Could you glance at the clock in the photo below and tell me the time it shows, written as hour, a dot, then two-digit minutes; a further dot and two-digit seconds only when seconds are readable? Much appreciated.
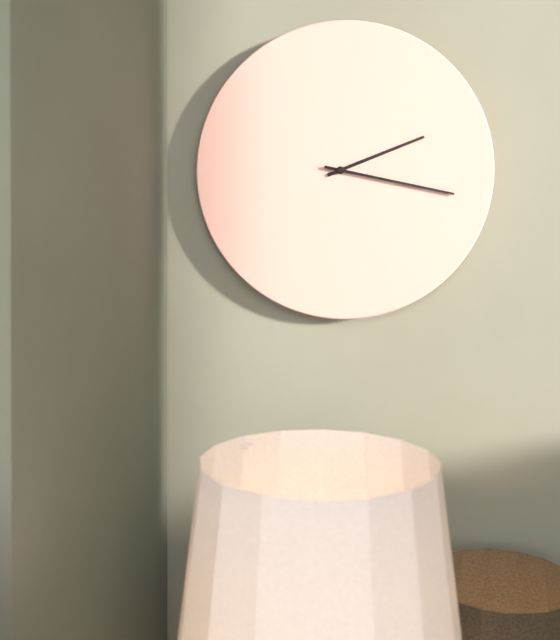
2.17
